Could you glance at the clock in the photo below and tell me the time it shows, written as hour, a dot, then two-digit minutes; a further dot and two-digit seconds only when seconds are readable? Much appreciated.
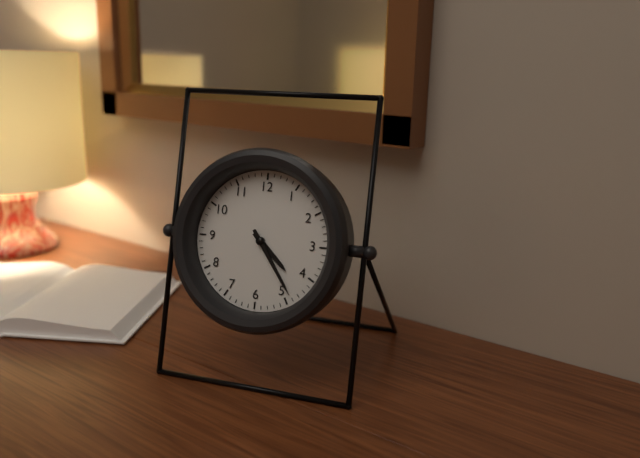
4.24
